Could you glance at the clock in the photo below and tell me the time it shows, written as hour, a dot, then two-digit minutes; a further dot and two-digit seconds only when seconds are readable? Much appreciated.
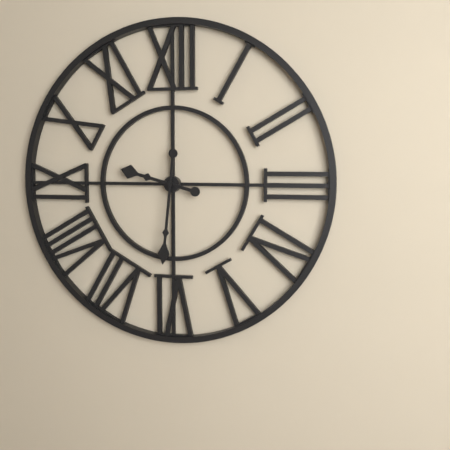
9.31
